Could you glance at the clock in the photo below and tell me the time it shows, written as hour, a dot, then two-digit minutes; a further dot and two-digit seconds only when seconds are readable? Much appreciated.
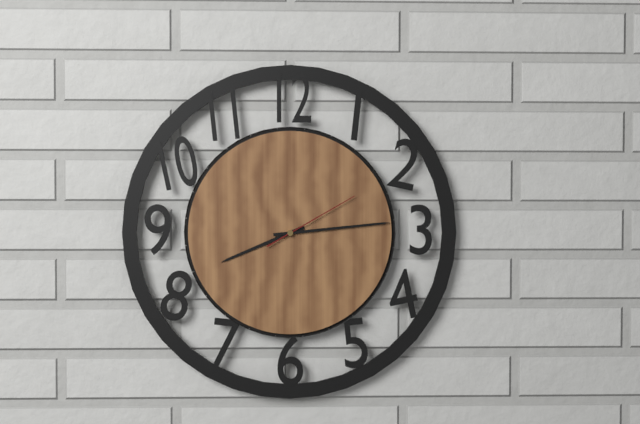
8.14.10
